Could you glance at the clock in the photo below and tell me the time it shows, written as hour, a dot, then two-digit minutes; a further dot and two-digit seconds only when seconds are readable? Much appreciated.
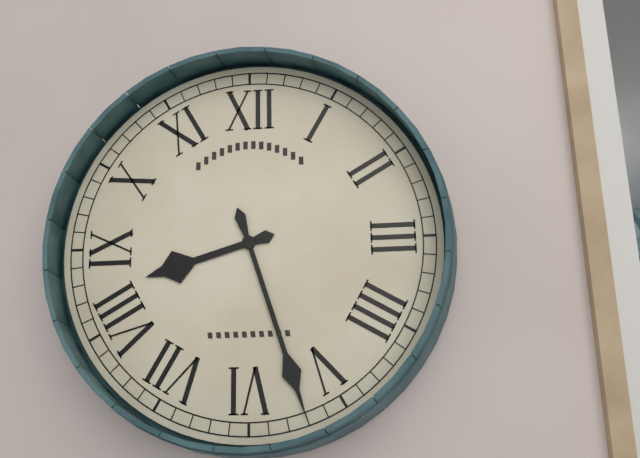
8.27
